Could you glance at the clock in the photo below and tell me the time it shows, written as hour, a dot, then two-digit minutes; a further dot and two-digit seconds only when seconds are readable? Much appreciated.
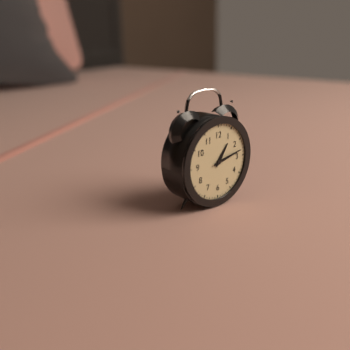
1.13
